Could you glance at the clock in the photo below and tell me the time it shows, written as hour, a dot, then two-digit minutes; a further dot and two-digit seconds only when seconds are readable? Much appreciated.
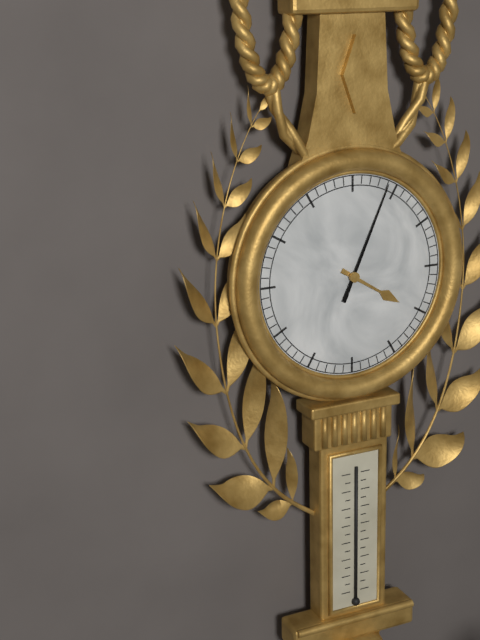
4.04
